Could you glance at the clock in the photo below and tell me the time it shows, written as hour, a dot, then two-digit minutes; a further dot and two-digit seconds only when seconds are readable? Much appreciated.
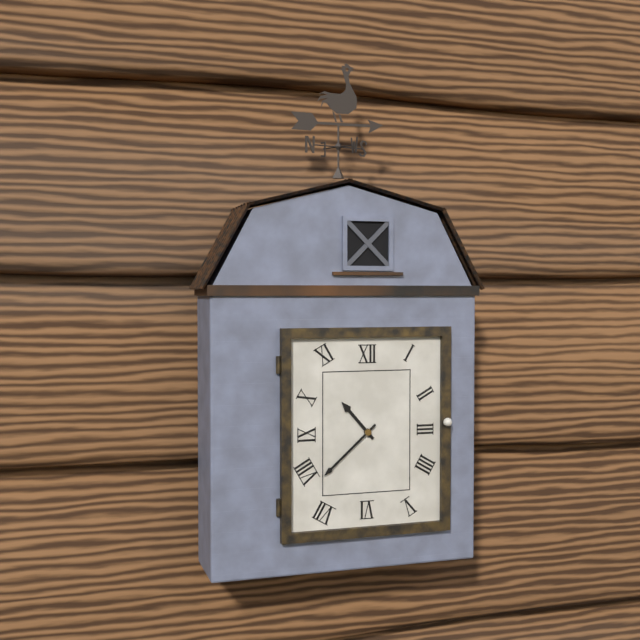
10.38
